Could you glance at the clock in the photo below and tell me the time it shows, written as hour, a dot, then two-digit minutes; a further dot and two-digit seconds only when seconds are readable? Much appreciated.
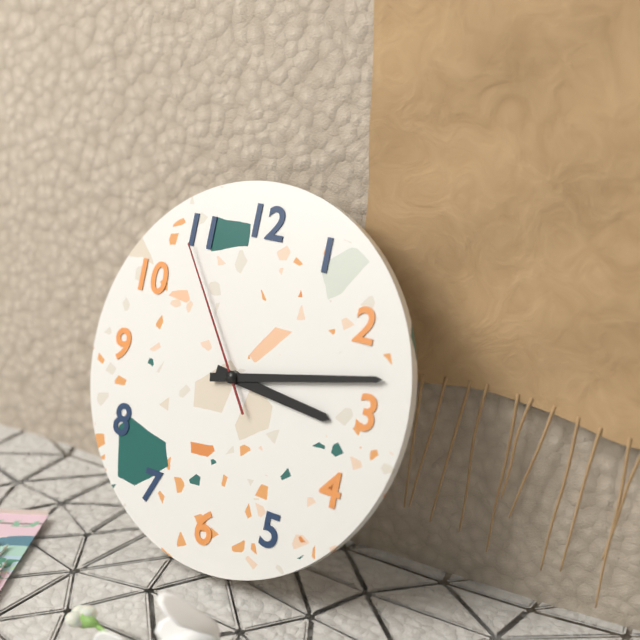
3.13.54
